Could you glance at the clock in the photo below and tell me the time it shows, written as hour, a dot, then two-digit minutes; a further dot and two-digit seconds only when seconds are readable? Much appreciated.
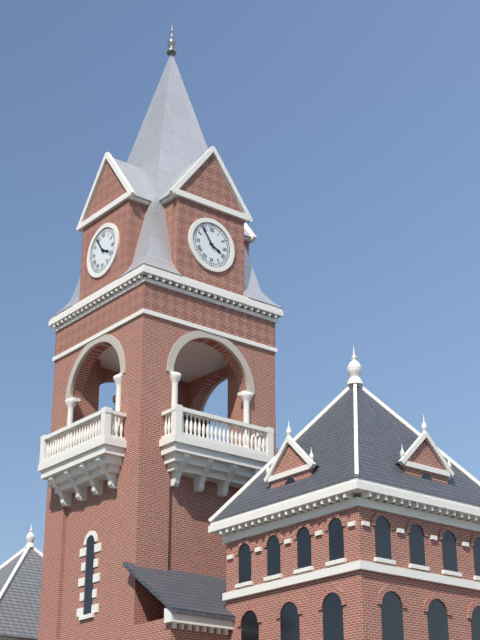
3.54
